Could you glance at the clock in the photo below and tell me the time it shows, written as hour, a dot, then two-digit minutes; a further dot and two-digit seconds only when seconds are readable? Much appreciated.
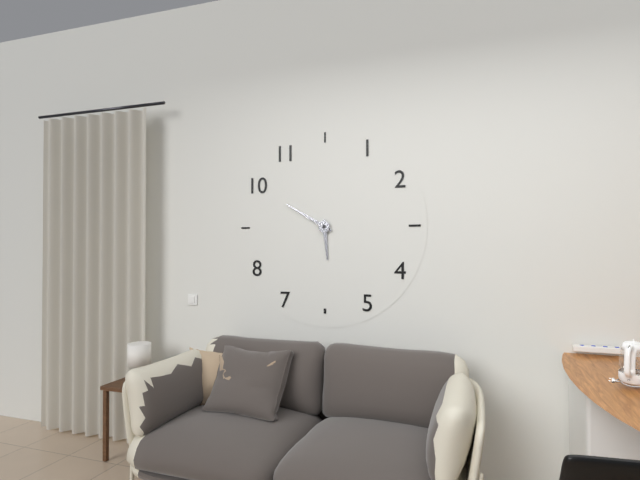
5.50
